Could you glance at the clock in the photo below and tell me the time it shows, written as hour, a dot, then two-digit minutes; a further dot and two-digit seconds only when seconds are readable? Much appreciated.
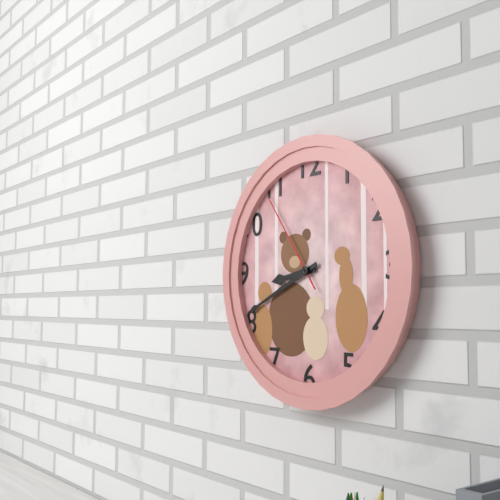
8.41.54
